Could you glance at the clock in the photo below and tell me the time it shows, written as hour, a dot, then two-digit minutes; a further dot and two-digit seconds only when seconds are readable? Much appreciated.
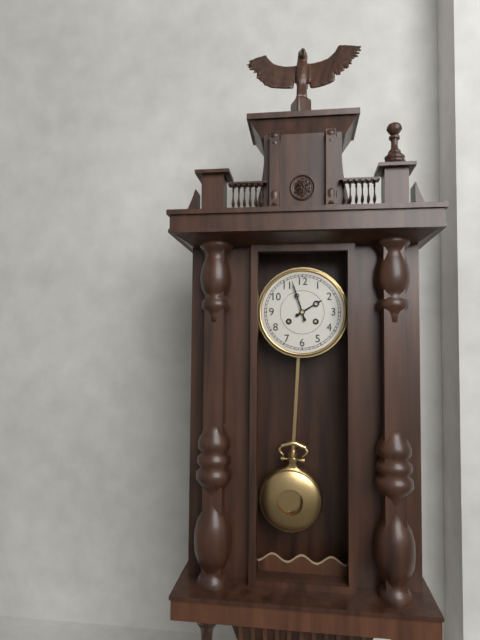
1.57
